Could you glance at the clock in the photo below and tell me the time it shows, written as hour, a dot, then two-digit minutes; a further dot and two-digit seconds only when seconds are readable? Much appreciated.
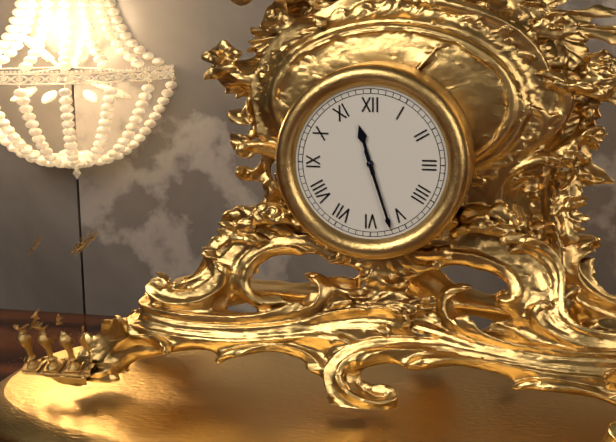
11.27
